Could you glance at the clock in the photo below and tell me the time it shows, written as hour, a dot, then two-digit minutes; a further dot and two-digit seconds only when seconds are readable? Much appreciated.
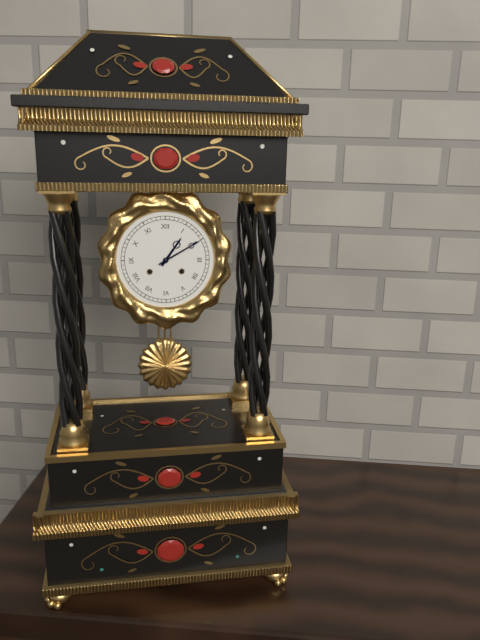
1.10
